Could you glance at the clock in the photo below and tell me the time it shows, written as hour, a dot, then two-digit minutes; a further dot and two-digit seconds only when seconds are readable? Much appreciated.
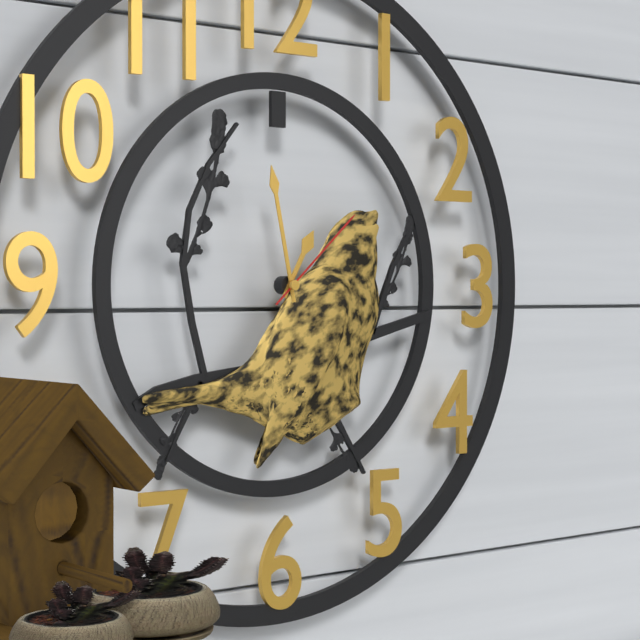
12.58.08
